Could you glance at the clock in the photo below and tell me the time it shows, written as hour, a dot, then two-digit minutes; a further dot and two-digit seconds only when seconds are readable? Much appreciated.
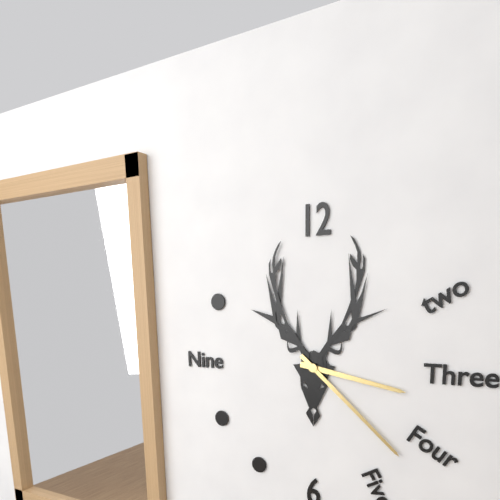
3.22
